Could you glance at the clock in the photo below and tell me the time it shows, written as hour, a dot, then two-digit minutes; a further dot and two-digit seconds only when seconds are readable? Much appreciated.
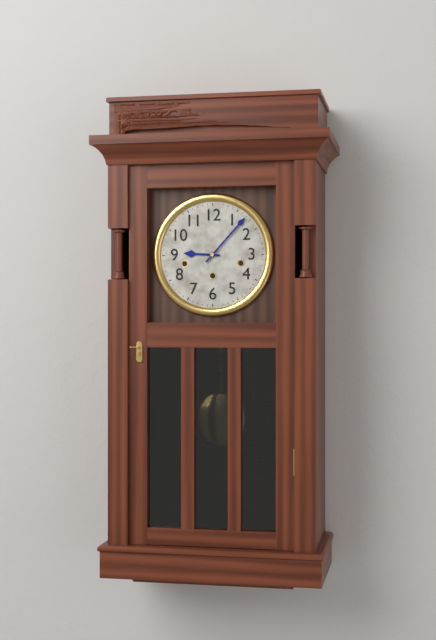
9.07
